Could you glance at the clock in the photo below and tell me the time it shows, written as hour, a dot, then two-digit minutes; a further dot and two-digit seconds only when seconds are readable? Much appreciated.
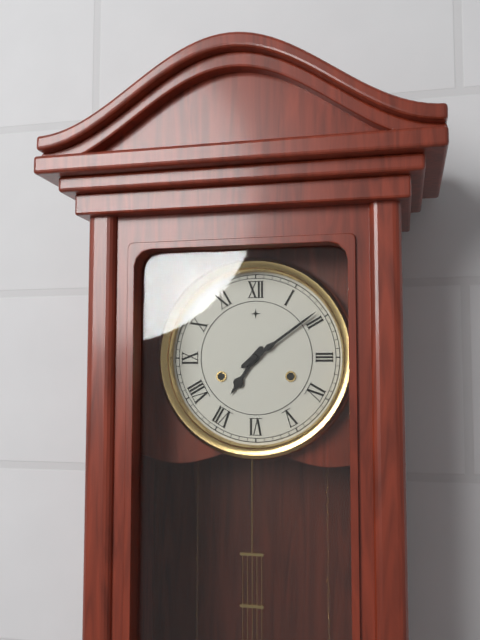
7.09
